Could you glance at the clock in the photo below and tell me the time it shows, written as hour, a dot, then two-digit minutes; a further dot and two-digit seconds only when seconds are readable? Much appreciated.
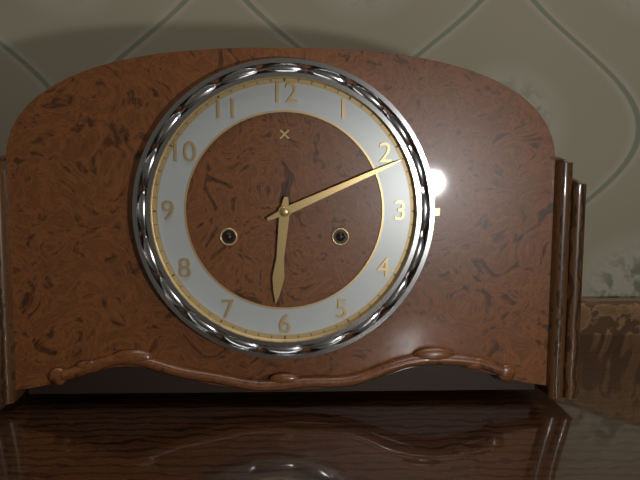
6.11
